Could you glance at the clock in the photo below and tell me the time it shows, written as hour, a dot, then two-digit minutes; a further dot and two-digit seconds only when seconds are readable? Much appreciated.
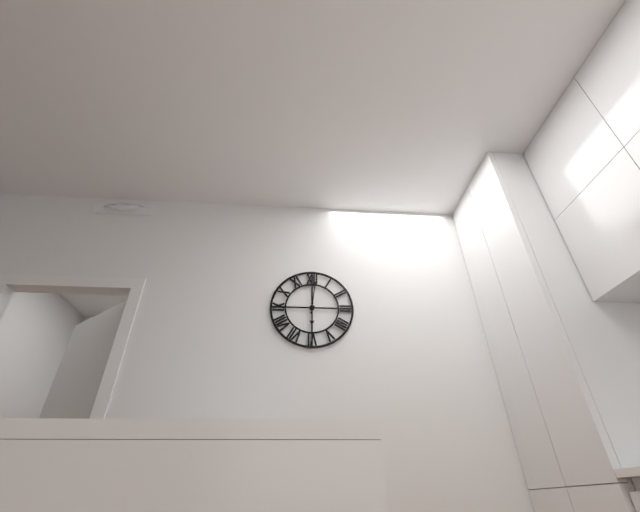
6.01
